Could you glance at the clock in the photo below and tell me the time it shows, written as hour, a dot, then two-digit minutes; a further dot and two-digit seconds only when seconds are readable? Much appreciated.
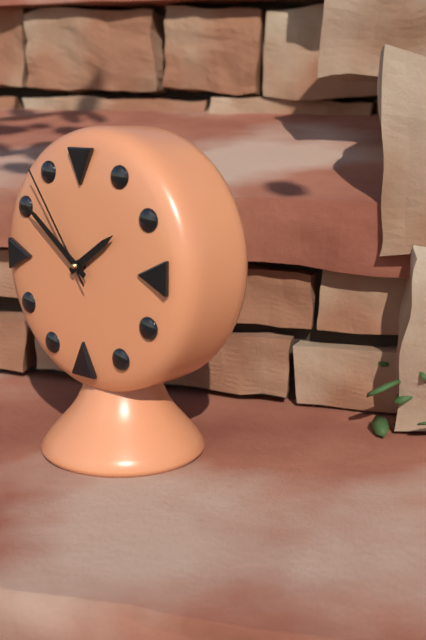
1.51.54
